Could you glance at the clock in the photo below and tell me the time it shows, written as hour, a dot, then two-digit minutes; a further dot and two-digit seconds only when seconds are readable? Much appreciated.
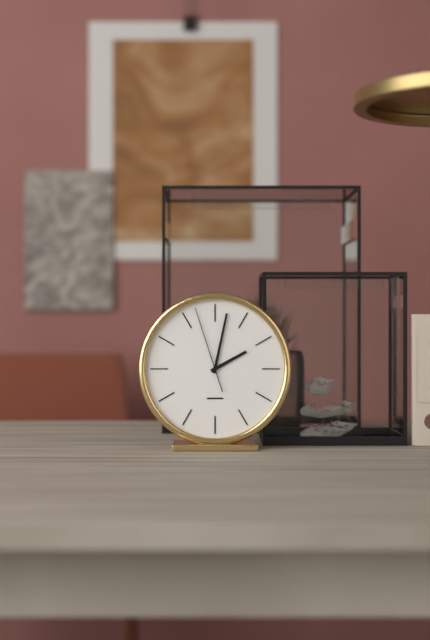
2.02.57
